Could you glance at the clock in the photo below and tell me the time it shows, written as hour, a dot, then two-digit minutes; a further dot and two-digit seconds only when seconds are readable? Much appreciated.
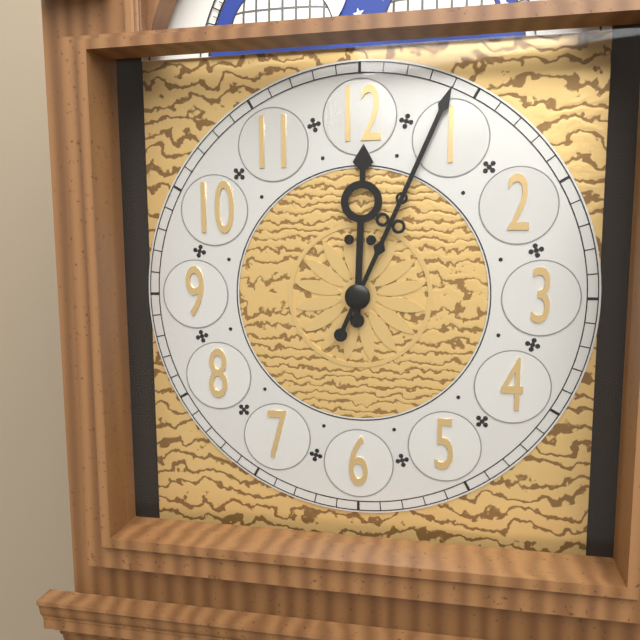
12.04
